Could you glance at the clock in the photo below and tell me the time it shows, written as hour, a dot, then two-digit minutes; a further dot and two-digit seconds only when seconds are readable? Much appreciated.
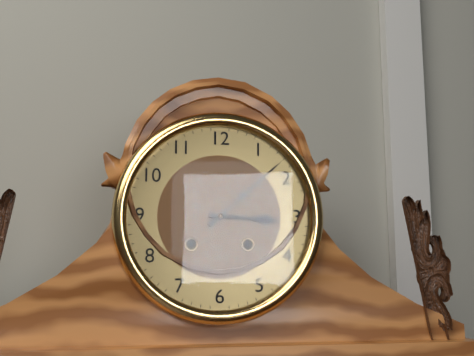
3.08
